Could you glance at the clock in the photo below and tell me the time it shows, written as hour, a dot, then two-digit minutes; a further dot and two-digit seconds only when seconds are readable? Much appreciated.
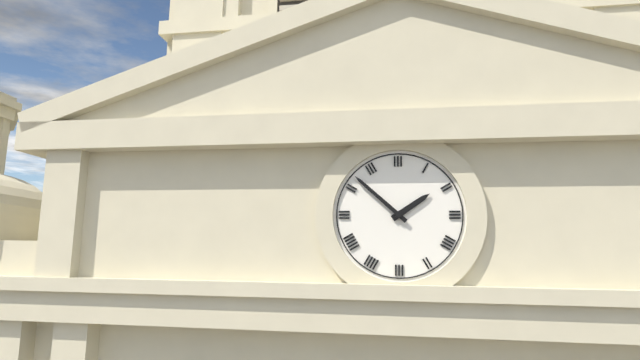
1.52
